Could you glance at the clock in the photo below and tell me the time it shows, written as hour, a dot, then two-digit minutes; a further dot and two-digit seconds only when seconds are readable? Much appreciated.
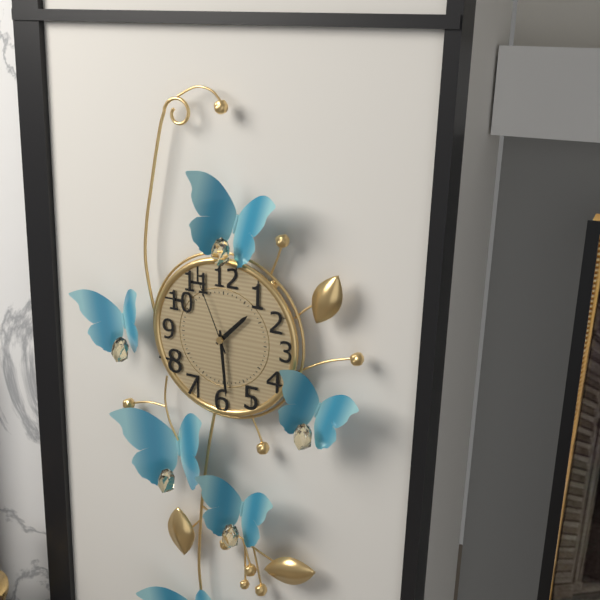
1.29.56
